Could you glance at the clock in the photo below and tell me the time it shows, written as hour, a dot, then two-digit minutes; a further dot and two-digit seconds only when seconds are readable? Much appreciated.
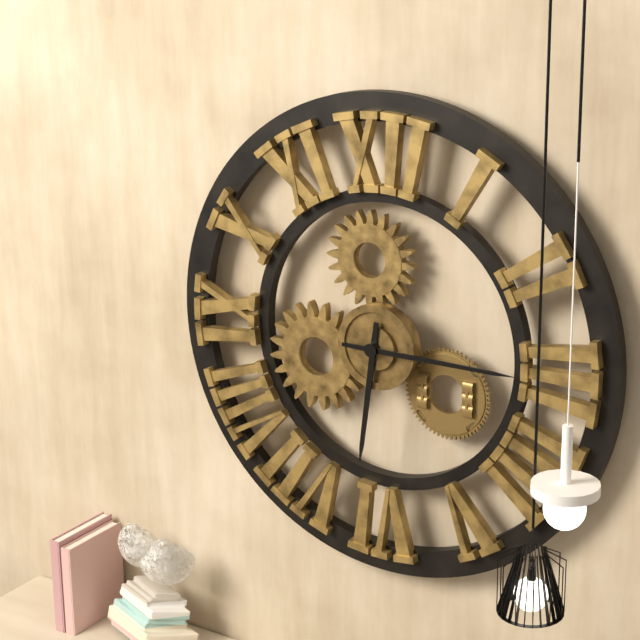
6.15
